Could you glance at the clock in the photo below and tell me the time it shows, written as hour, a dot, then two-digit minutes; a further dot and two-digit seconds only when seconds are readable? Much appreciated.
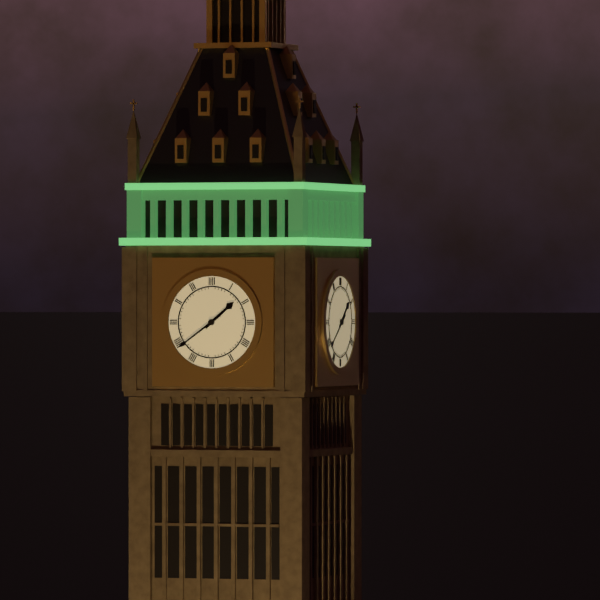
1.39
